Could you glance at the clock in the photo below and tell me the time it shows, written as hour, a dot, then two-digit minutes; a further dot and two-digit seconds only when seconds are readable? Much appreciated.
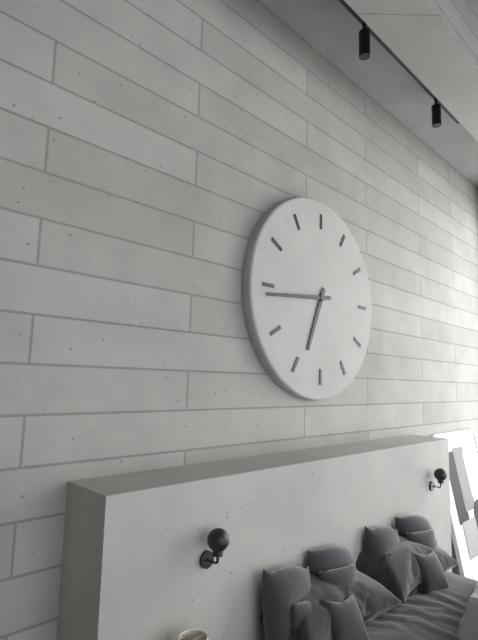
6.44
